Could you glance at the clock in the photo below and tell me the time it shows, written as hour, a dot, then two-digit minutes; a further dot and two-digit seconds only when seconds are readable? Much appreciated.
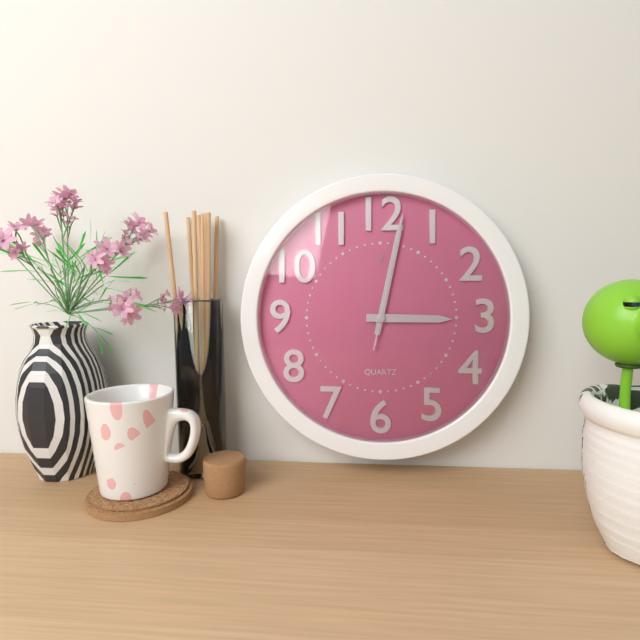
3.02.02
